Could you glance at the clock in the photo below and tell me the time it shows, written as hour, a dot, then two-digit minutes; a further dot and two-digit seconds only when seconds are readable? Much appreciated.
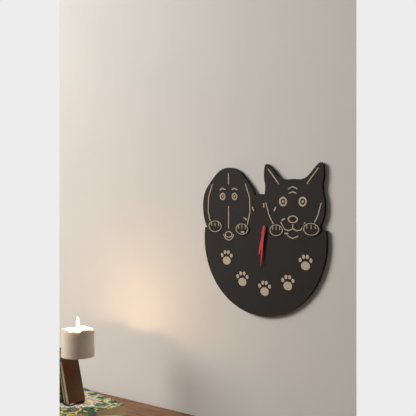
6.31
